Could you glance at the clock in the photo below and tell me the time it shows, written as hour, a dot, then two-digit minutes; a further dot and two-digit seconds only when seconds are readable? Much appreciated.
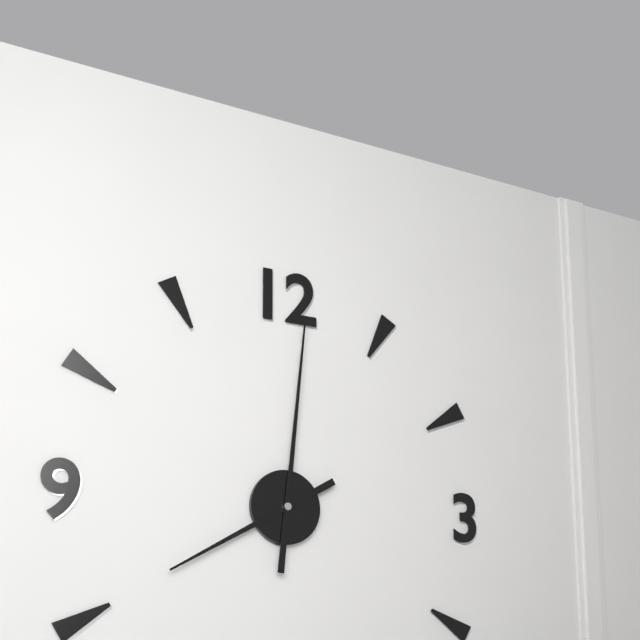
8.01
